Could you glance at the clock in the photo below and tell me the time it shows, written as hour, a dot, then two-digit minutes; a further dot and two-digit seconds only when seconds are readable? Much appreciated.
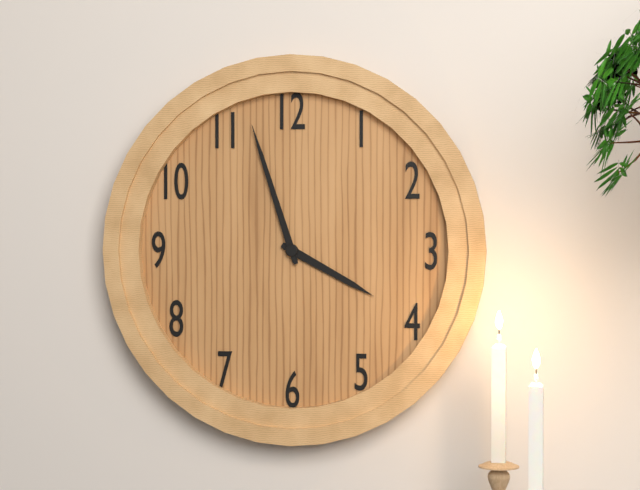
3.57
